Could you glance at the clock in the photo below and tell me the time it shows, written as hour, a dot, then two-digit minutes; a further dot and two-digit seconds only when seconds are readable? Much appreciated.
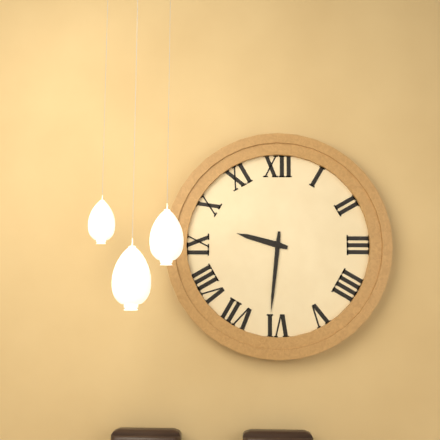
9.31
